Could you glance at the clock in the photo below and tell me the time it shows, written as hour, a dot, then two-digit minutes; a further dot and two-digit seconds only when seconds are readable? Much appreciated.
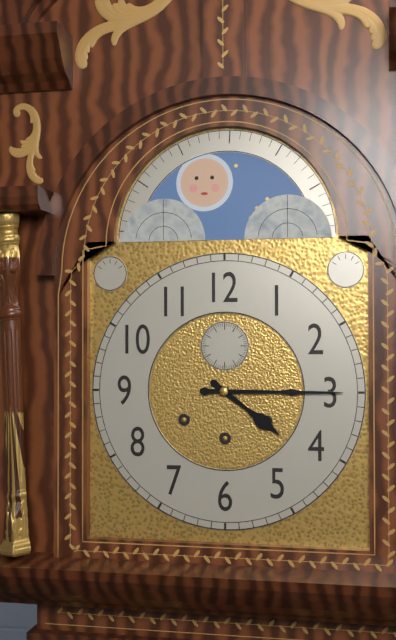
4.15
